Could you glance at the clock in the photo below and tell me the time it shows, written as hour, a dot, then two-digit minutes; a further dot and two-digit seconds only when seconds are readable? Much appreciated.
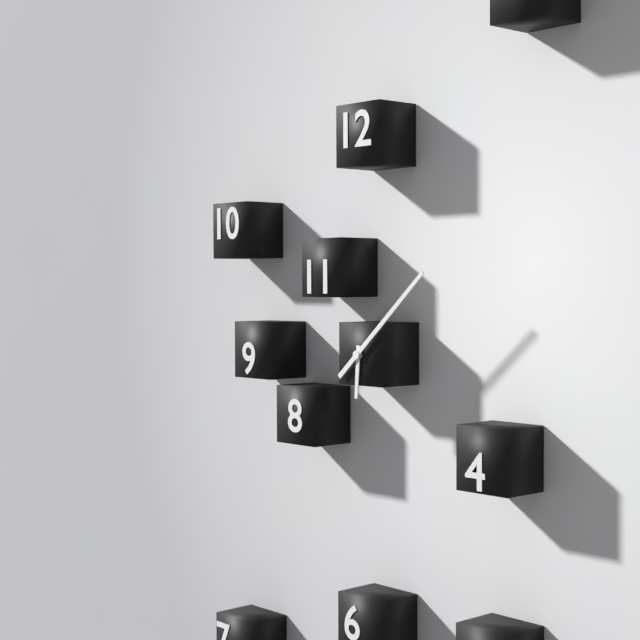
6.08
